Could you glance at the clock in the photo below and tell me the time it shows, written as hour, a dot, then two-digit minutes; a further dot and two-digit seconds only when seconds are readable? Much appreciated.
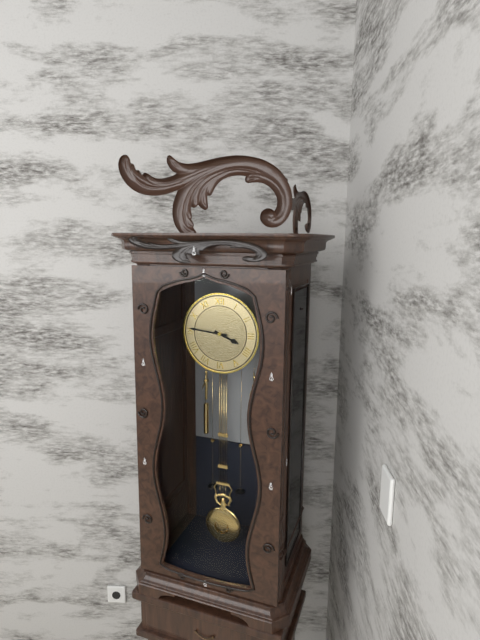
3.46
